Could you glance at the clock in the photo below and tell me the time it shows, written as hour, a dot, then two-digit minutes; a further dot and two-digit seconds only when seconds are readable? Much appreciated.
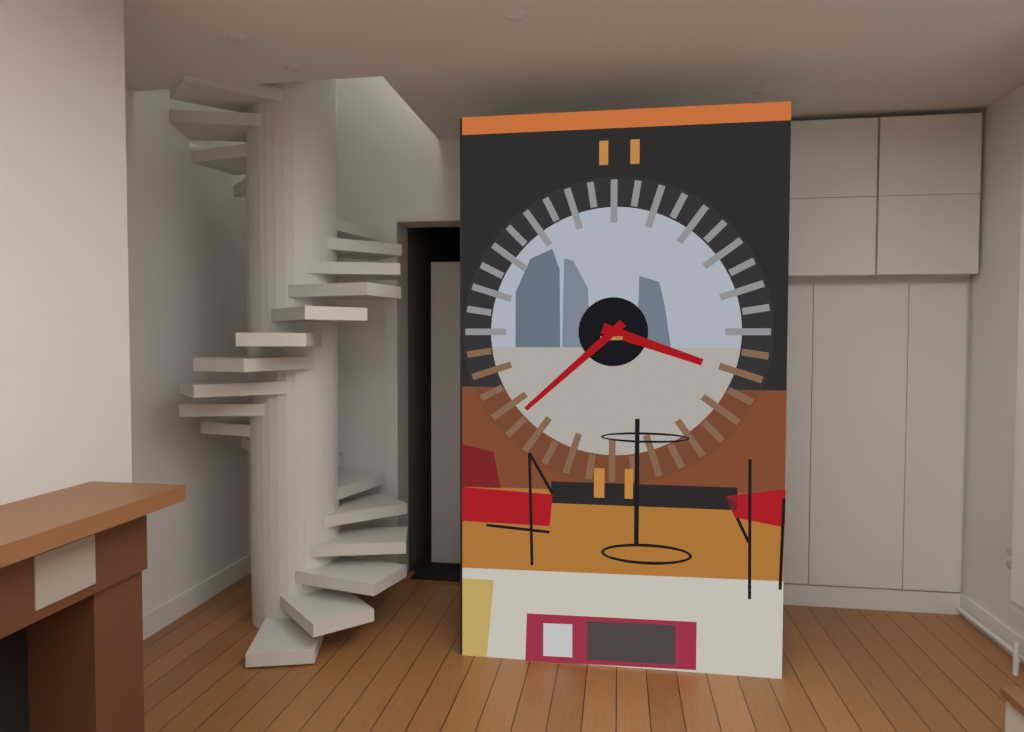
3.38
